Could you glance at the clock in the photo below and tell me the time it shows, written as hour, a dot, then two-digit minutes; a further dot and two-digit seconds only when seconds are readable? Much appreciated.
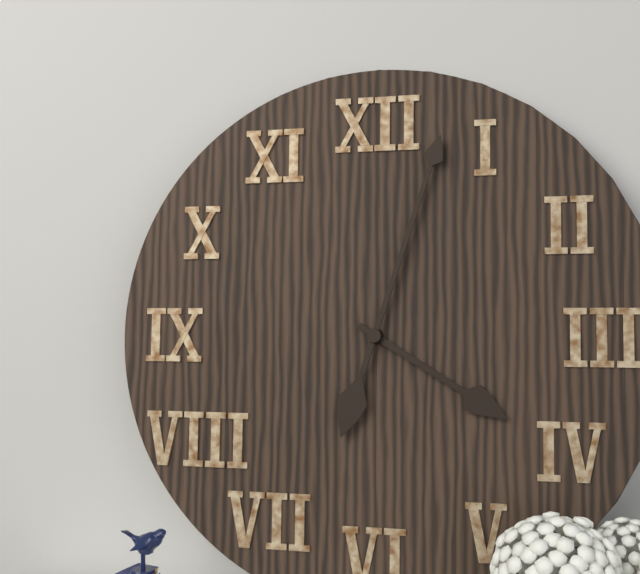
4.03
